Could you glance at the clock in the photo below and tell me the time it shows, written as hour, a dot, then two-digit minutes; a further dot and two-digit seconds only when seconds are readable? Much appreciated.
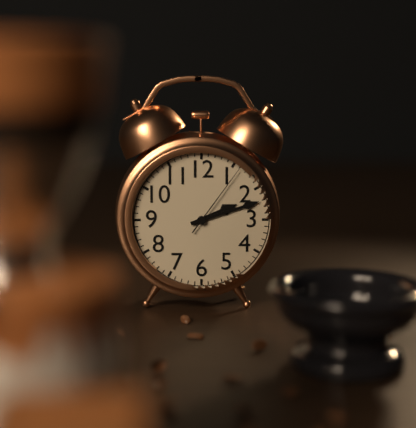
2.12.06
